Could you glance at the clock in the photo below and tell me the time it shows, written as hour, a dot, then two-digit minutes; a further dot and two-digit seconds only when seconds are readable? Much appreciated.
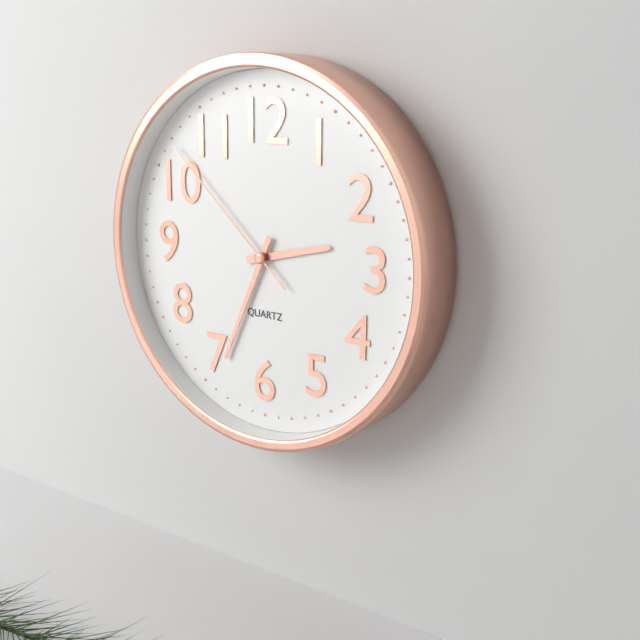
2.34.52
